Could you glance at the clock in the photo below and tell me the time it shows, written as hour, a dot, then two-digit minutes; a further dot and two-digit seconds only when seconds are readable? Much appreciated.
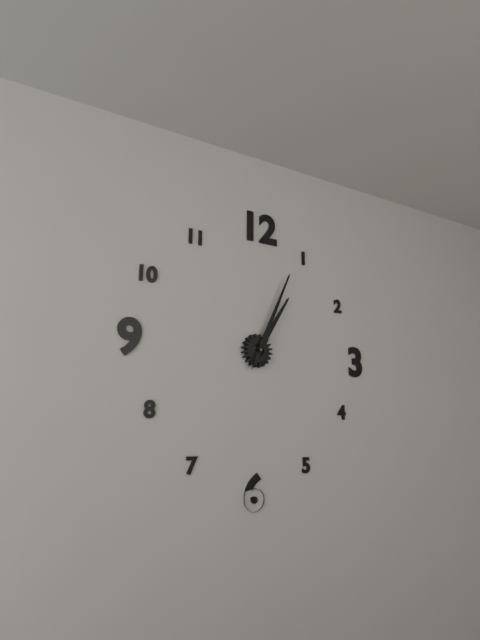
1.04
